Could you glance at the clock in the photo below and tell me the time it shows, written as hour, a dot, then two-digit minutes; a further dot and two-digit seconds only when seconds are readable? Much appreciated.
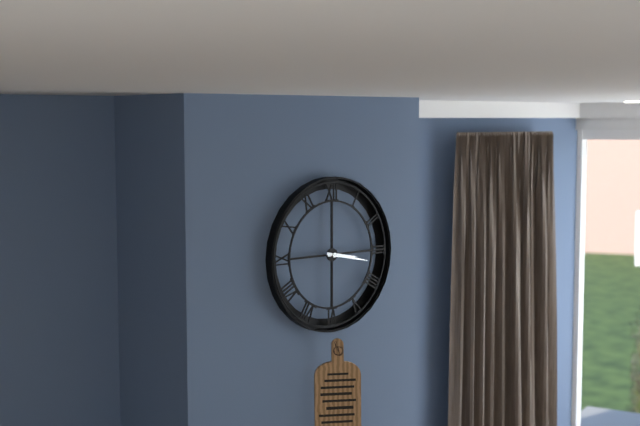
3.17
